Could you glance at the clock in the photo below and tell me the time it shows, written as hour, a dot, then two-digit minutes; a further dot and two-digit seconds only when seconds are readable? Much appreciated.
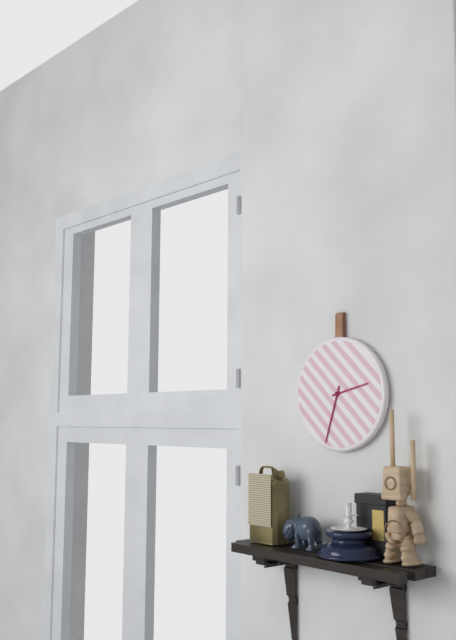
2.33
